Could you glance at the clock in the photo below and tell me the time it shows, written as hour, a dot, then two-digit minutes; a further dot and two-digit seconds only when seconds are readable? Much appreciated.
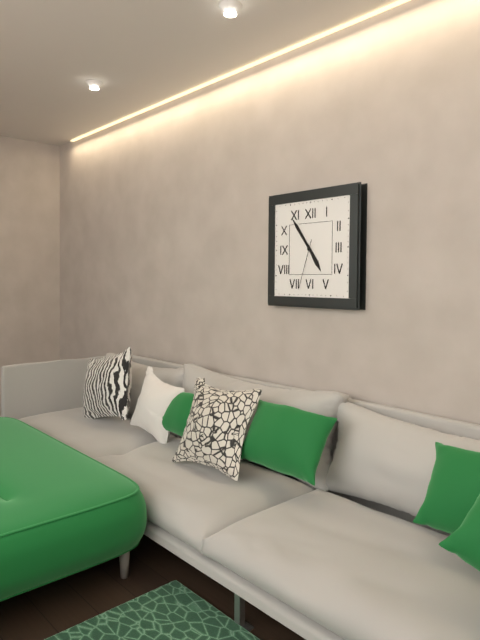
4.54.33
